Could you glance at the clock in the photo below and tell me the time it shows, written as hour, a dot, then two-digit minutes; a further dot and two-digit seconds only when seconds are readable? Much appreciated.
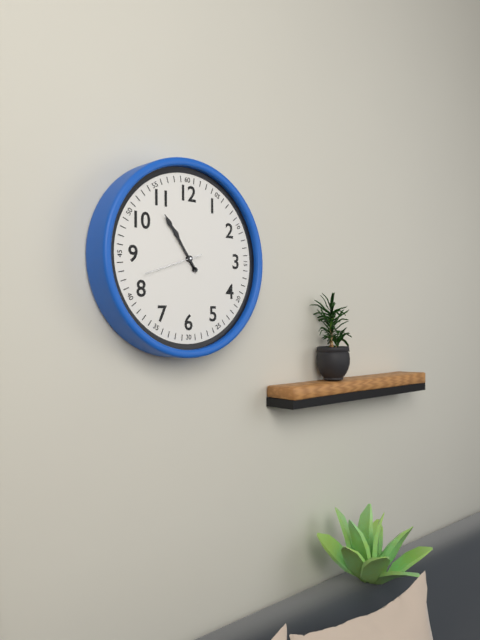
10.54.42
